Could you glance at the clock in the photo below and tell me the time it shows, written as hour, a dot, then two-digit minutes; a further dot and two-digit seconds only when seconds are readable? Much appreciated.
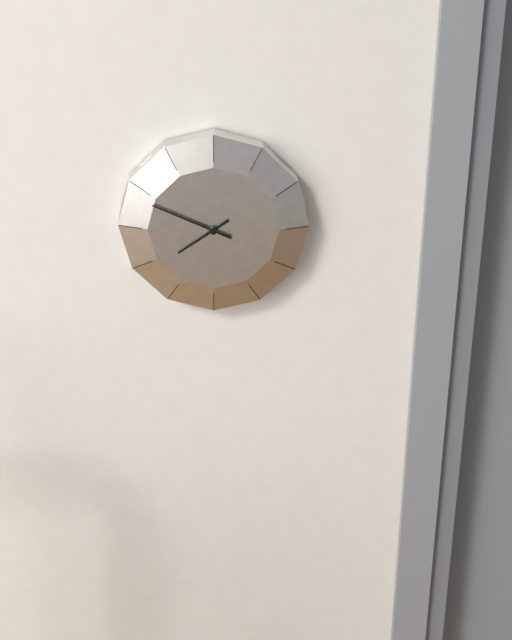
7.49
